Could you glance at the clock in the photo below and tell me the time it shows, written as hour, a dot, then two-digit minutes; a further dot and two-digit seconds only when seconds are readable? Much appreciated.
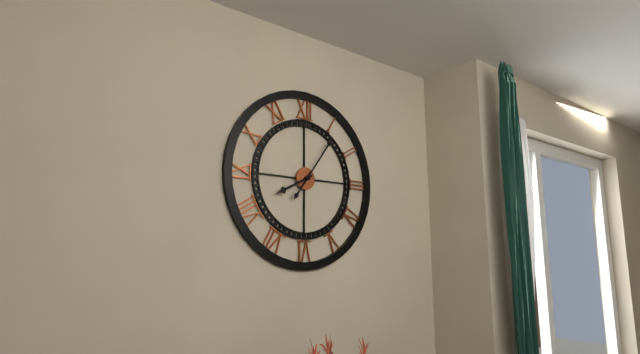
8.06
